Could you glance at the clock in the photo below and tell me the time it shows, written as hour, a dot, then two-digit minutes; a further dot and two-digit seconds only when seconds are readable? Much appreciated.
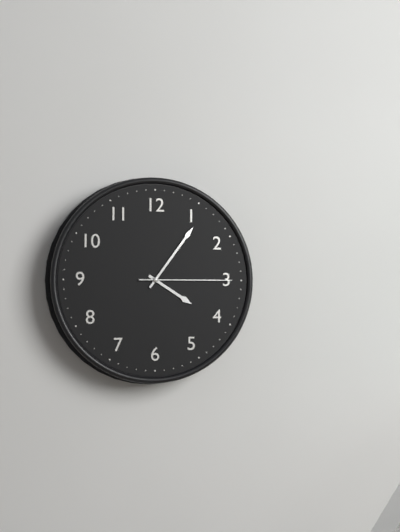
4.06.15
